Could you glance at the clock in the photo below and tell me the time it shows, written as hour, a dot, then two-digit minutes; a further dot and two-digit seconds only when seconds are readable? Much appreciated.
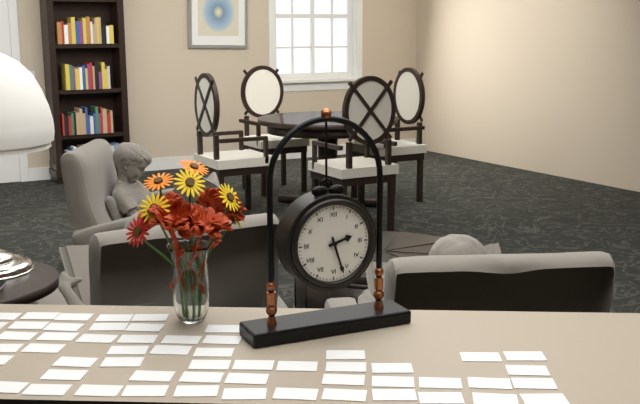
2.27
